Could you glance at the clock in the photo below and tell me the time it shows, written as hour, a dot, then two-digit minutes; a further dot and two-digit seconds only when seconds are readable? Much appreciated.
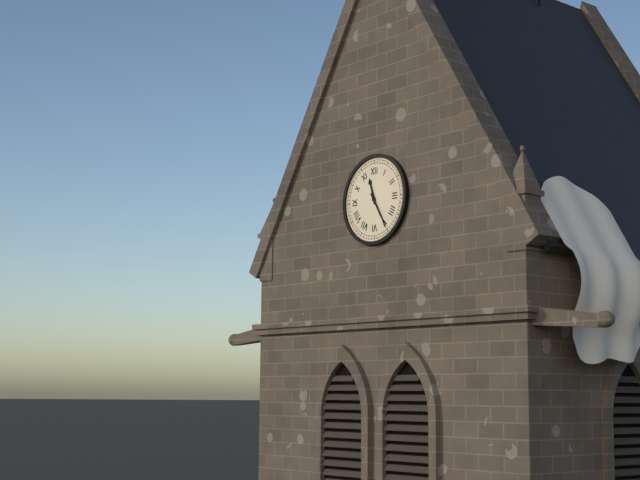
11.25
